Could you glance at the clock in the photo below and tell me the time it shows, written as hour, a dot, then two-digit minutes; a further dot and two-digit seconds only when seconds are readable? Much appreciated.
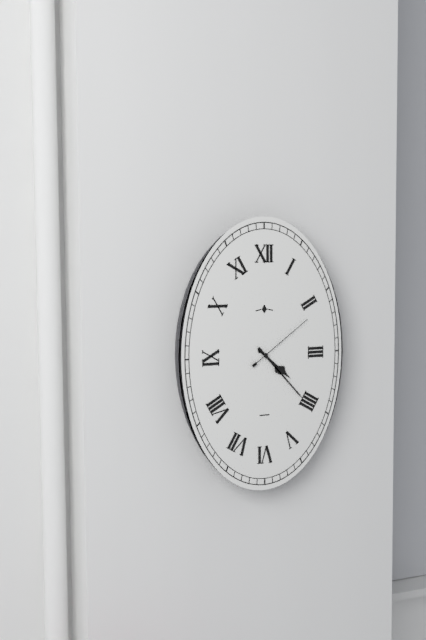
4.23.09
